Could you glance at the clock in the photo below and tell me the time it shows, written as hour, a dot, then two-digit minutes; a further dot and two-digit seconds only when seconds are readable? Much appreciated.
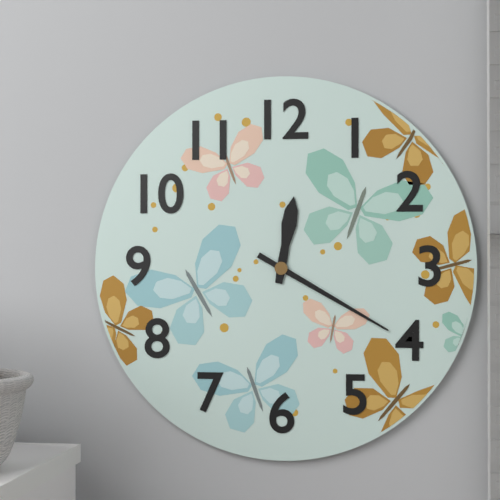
12.20
